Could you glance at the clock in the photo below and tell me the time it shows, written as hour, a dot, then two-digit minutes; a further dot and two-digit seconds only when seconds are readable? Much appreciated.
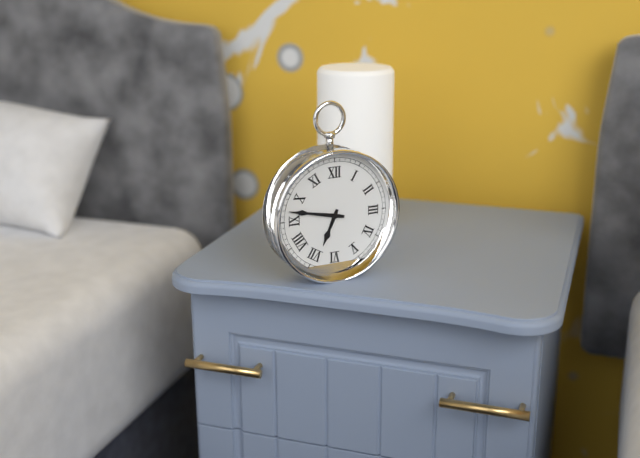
6.47
